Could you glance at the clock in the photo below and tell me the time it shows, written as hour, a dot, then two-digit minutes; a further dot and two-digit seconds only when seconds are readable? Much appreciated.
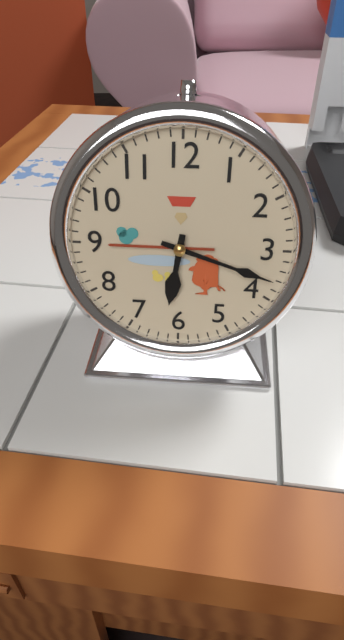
6.18
